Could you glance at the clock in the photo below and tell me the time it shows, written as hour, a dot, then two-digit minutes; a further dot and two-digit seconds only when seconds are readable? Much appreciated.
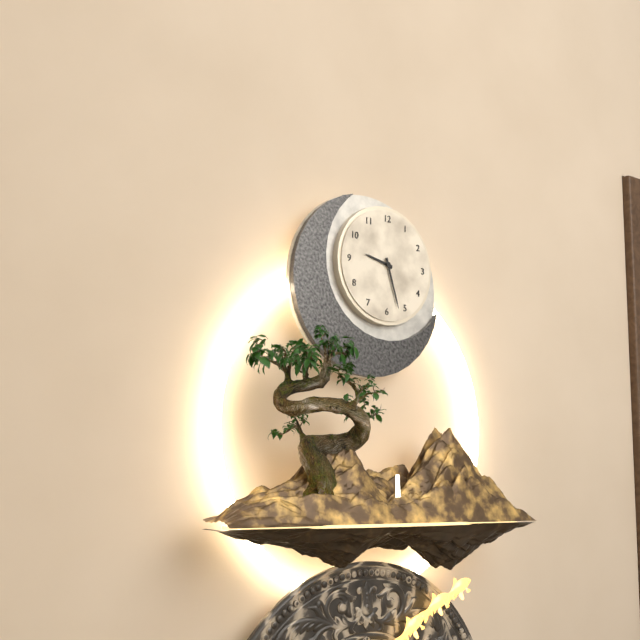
9.27
